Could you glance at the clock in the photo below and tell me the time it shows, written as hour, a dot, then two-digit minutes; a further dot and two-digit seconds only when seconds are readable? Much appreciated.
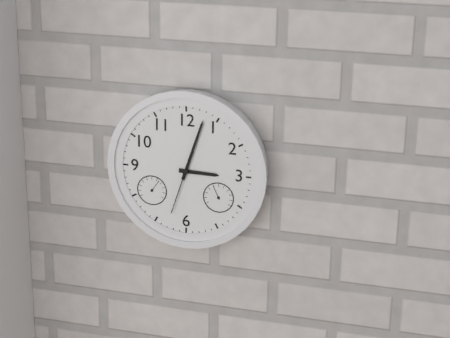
3.03.33
